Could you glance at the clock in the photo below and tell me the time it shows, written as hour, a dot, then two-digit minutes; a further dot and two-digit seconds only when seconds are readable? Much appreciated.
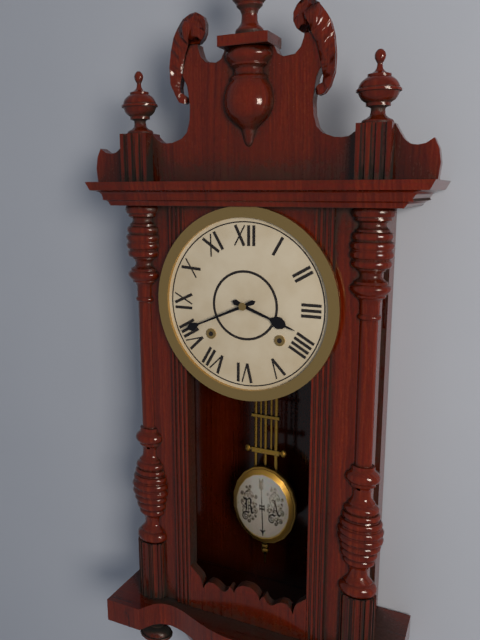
3.41
